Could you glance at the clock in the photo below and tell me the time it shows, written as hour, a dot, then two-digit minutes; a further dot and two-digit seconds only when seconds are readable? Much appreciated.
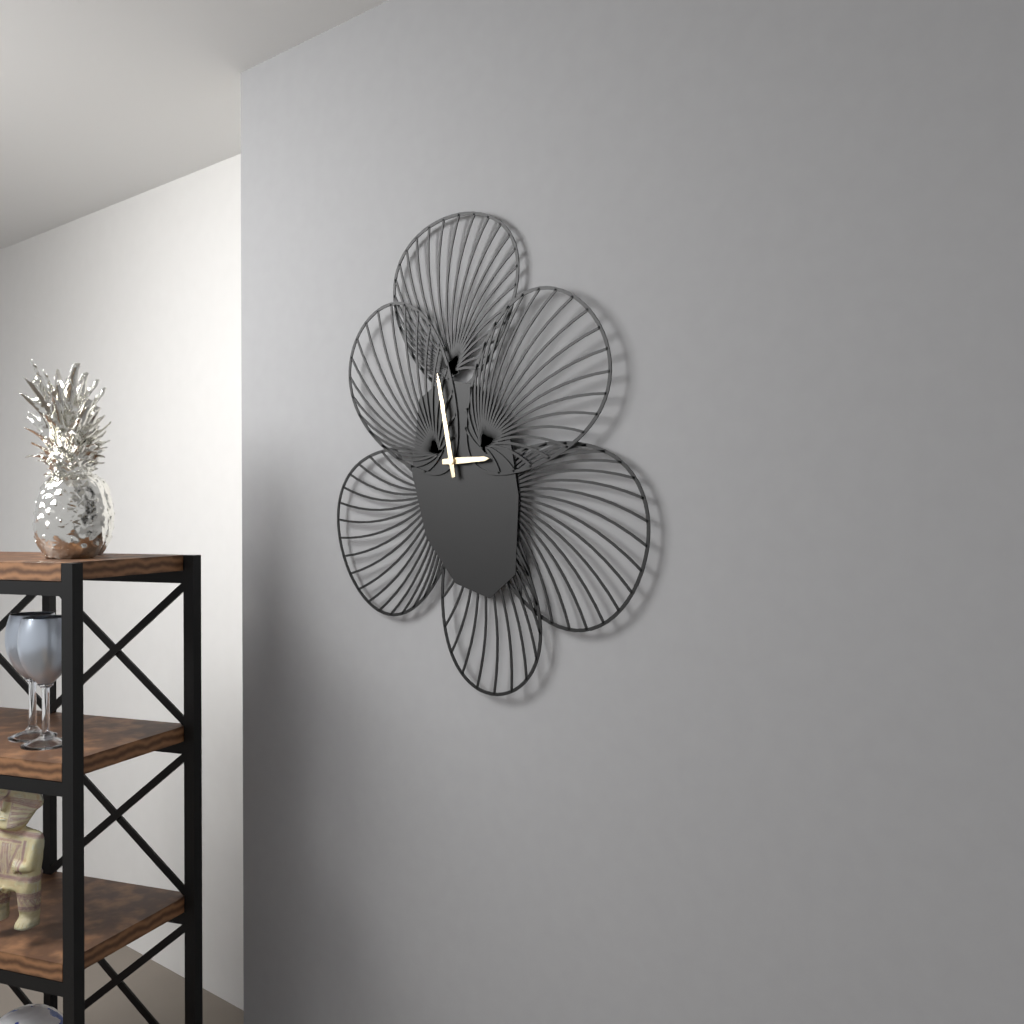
2.58
